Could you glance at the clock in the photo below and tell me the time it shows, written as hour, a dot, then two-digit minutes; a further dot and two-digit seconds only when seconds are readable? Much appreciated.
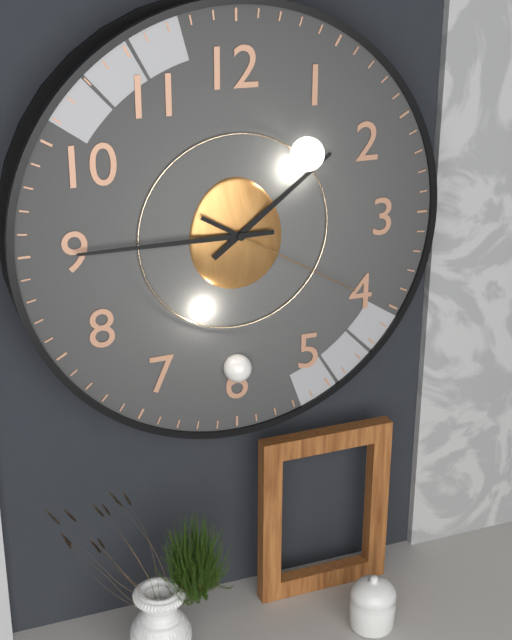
1.45.20
